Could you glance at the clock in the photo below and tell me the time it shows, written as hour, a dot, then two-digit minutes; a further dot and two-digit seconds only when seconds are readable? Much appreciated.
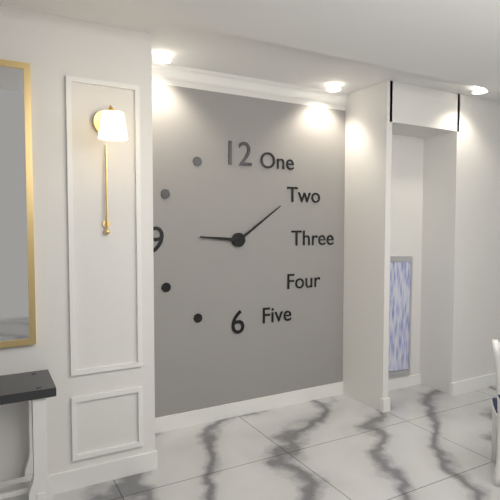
9.09
